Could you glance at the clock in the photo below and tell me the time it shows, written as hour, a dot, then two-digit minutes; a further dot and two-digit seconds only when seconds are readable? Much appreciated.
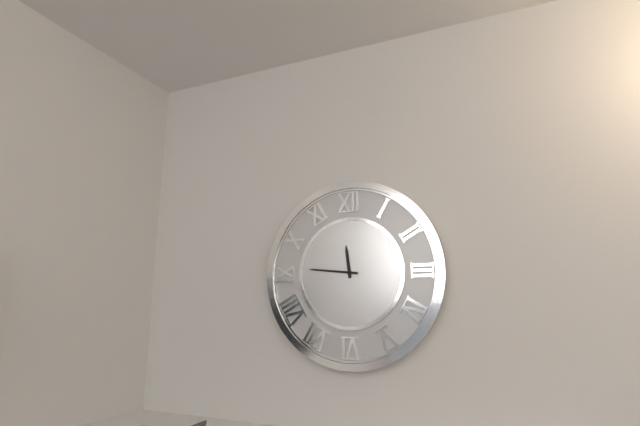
11.46
